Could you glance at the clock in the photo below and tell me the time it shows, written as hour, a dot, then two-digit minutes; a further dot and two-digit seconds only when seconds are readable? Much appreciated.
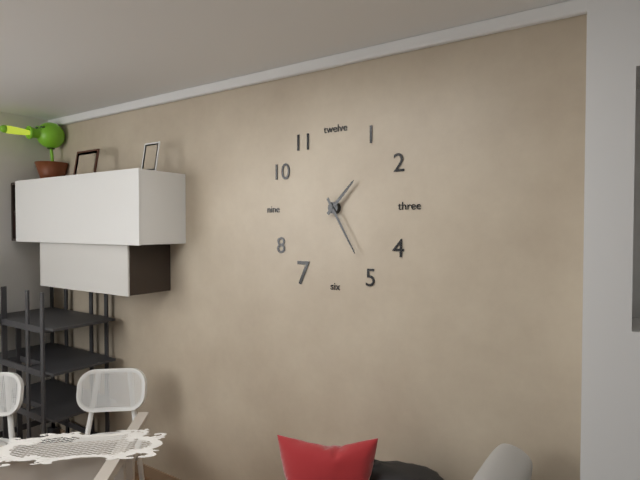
1.25
